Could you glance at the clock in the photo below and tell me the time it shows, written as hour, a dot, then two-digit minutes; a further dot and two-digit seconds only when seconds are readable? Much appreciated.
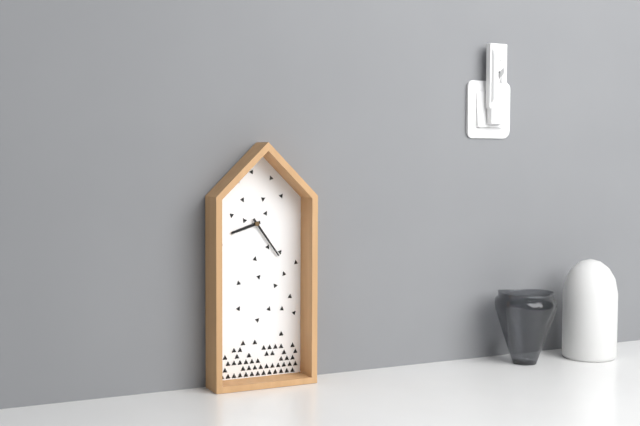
8.24
